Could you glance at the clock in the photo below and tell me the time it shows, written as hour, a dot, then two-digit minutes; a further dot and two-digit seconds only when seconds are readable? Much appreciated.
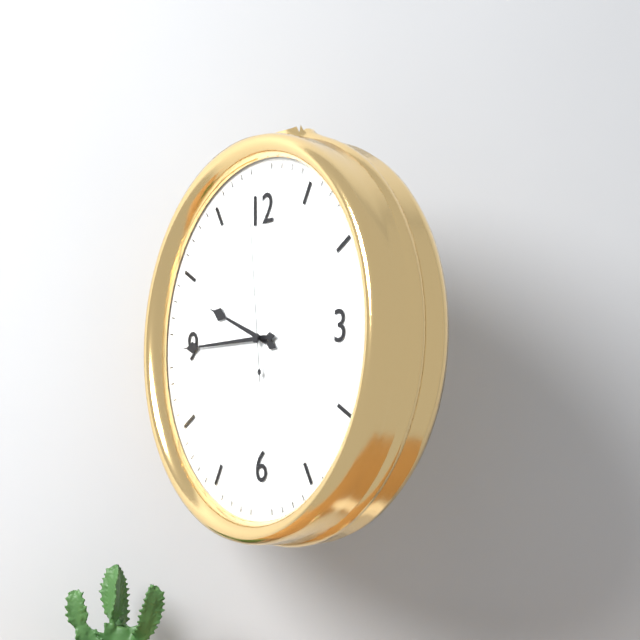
9.45.59
